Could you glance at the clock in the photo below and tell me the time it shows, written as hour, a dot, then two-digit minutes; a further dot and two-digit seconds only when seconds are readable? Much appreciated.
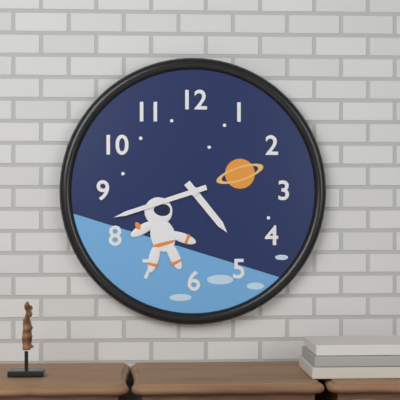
4.42
